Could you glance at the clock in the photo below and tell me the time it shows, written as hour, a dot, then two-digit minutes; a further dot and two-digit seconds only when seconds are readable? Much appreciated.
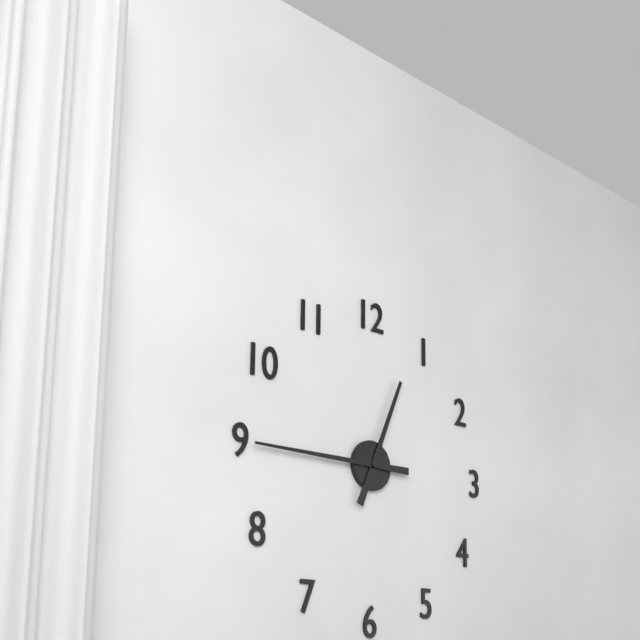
12.45
